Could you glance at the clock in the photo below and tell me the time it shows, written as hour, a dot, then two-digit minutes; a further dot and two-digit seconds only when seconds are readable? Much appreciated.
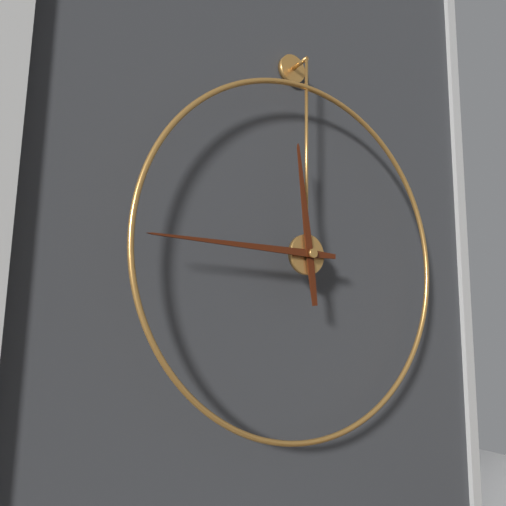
11.45
